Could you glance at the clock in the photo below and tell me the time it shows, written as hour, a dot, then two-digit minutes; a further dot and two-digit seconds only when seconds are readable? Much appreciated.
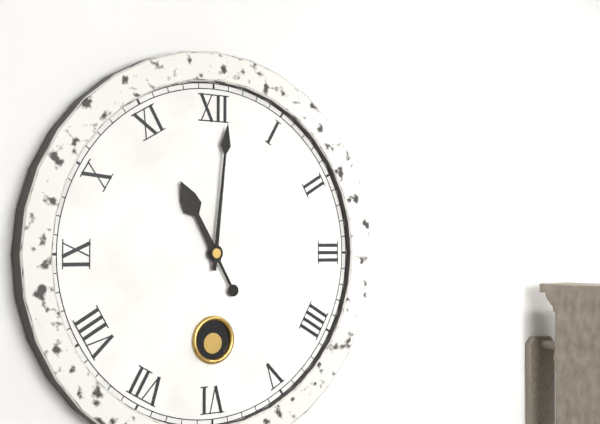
11.01
